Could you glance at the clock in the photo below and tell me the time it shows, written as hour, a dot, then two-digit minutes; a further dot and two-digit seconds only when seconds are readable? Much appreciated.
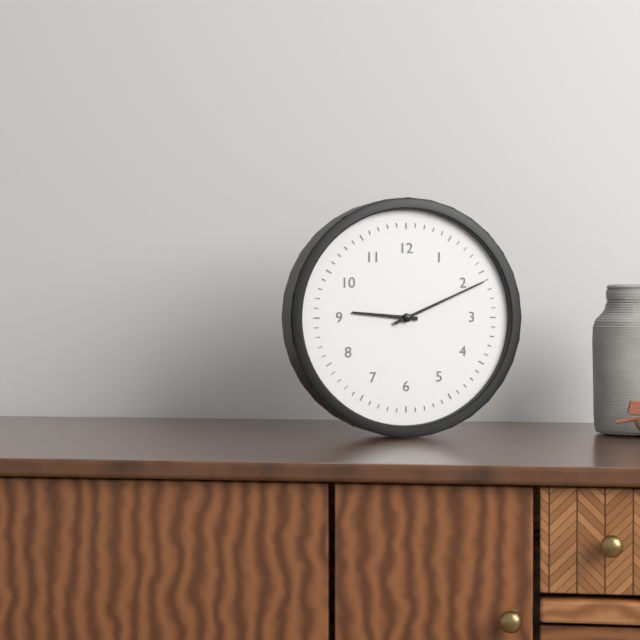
9.11
